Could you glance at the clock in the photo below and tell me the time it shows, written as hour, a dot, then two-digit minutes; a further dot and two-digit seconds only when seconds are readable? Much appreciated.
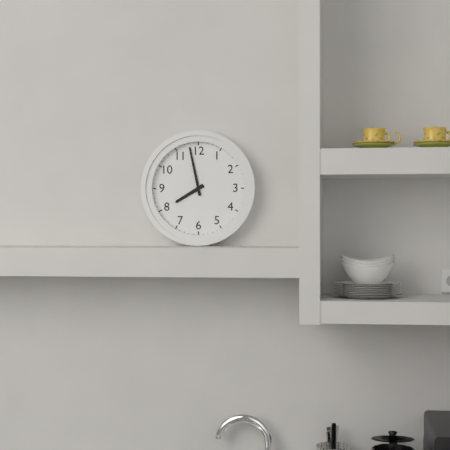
7.58
